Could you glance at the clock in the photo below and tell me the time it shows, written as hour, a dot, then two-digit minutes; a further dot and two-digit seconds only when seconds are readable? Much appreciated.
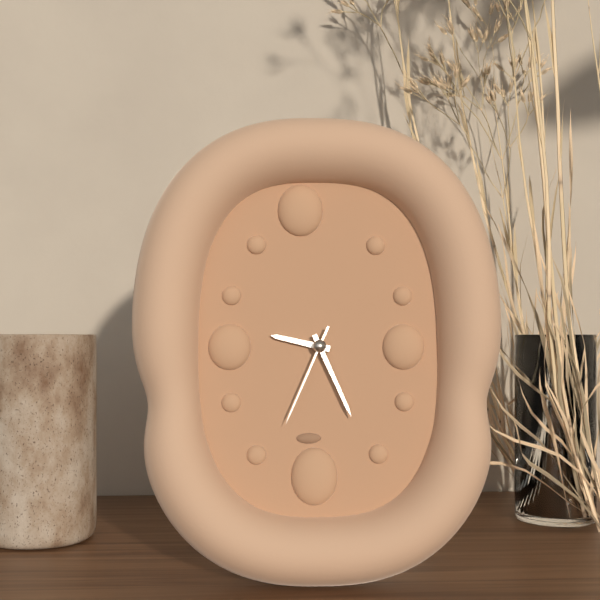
9.26.34
